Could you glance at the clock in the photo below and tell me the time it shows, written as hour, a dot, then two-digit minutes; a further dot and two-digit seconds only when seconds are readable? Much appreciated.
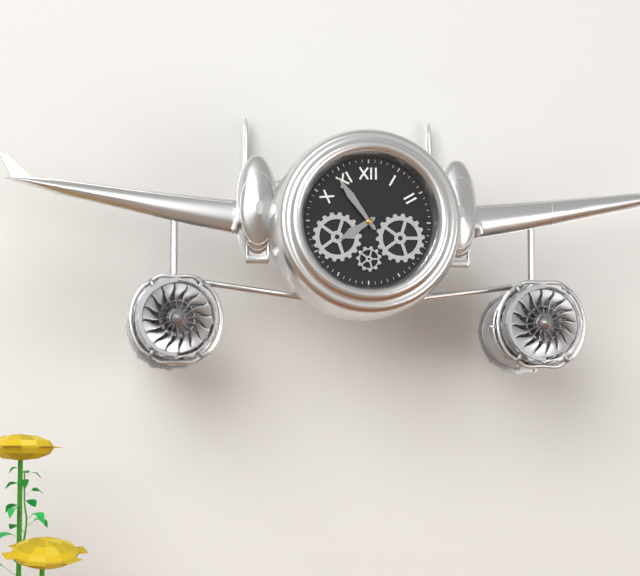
7.54
